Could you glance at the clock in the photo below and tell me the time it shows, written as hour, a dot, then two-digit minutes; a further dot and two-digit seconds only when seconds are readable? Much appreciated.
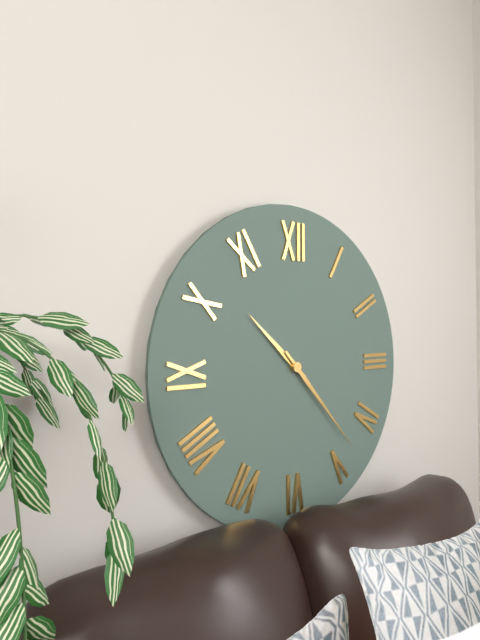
10.23
